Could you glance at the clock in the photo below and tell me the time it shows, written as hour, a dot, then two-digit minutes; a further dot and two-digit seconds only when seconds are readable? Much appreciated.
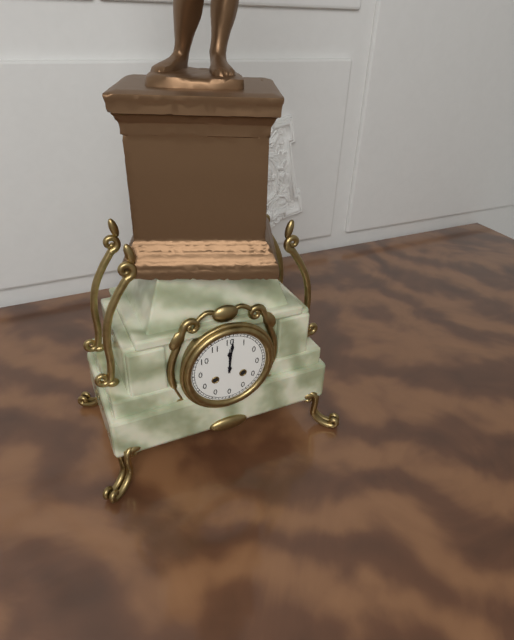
12.01
